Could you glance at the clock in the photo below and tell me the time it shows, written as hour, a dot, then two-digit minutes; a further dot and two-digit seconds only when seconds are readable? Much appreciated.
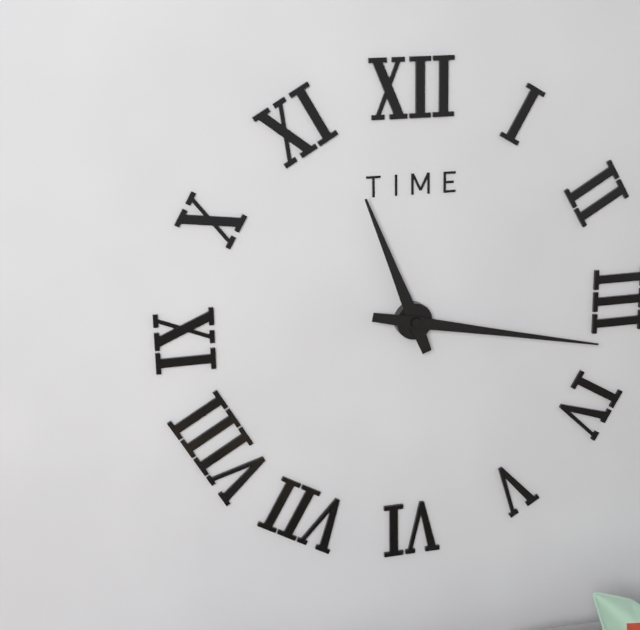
11.17
